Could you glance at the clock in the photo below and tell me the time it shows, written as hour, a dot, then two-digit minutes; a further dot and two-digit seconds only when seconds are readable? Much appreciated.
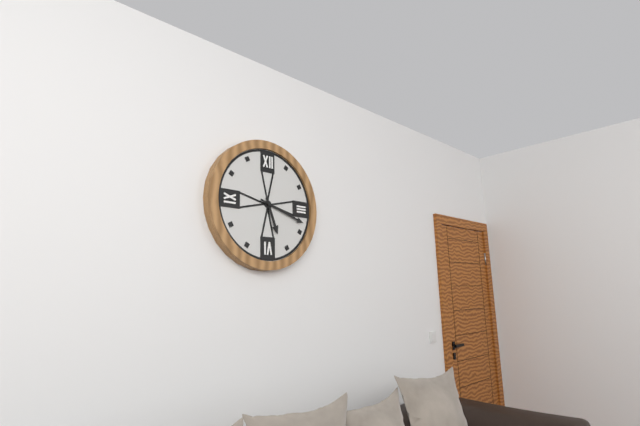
5.18
